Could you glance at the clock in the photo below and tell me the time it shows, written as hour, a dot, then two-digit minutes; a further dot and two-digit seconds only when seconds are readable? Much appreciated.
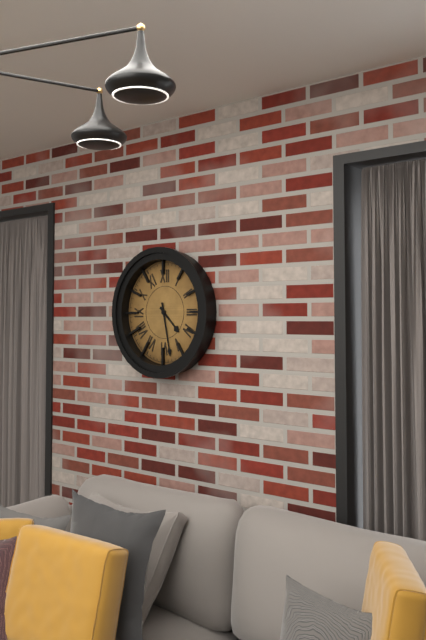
4.28
